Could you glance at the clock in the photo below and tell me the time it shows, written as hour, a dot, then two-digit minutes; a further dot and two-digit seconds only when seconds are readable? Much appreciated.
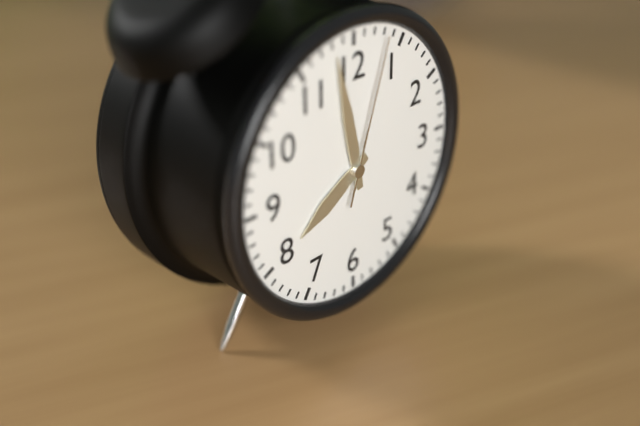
7.58.03
